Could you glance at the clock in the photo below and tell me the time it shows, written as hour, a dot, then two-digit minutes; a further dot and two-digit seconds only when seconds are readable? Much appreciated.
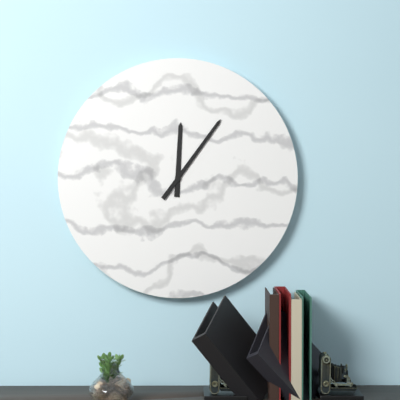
12.06
